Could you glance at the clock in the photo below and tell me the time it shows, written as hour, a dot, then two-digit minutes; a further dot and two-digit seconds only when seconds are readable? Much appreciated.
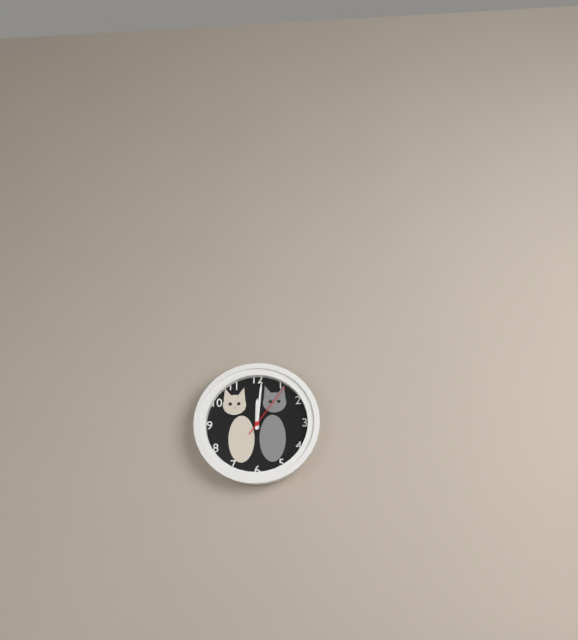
12.01.06
